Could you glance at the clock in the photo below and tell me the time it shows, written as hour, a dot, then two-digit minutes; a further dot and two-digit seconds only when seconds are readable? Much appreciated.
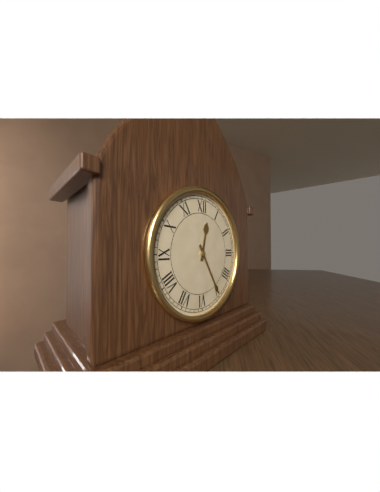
12.25
